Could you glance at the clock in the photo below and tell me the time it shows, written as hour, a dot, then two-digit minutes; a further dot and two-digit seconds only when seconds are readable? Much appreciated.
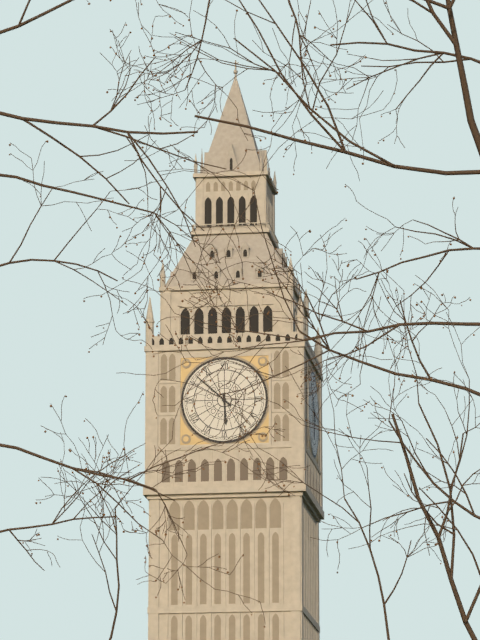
5.52
